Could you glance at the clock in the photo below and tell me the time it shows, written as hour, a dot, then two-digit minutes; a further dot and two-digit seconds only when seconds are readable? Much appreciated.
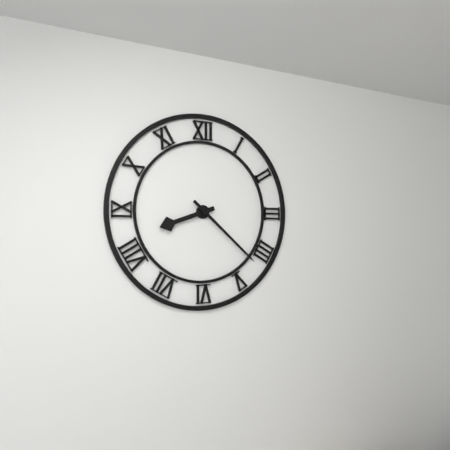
8.22
